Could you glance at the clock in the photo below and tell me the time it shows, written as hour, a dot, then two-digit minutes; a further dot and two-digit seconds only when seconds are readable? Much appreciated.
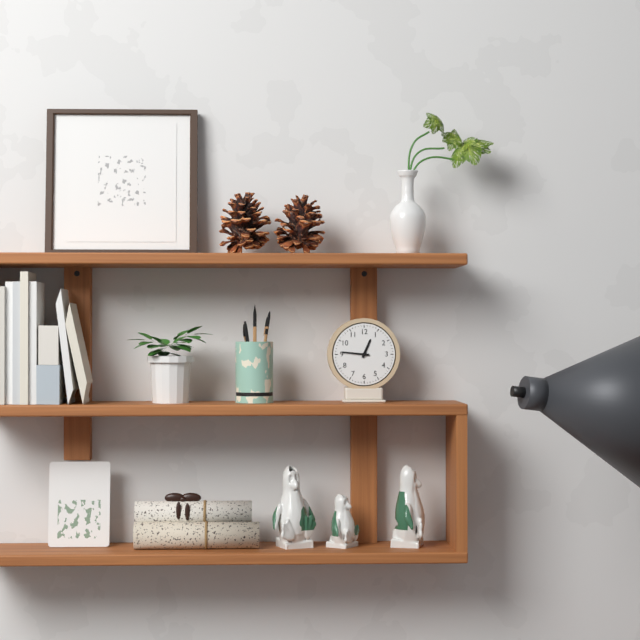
12.46
